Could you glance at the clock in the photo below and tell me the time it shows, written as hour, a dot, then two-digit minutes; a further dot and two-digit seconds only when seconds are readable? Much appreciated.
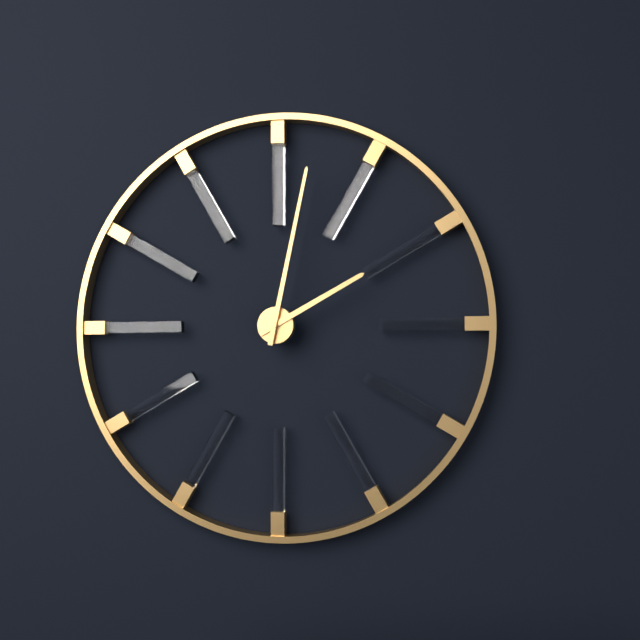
2.02
